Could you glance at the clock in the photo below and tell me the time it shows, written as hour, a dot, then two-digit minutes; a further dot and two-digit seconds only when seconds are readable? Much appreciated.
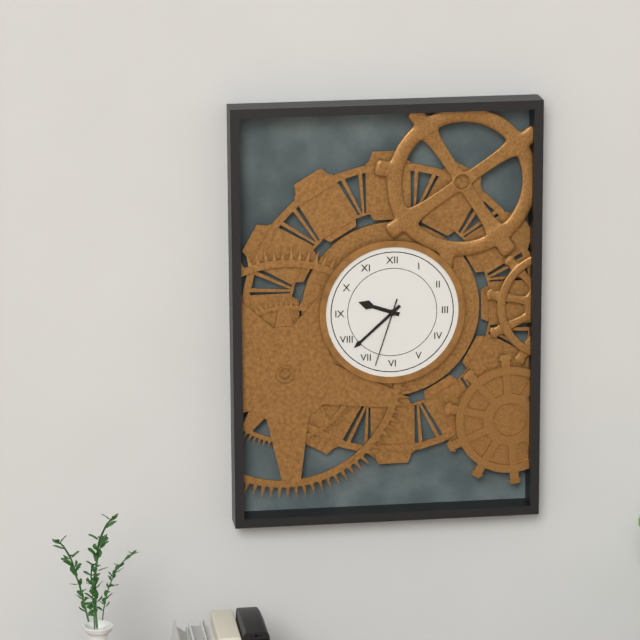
9.38.33
